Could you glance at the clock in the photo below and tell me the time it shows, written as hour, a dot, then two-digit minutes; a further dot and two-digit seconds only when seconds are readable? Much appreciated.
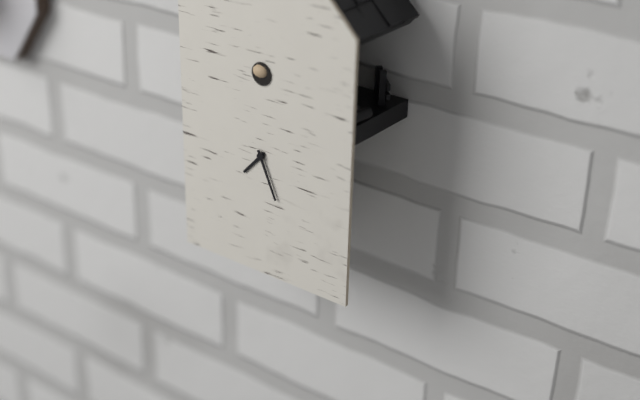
7.26
